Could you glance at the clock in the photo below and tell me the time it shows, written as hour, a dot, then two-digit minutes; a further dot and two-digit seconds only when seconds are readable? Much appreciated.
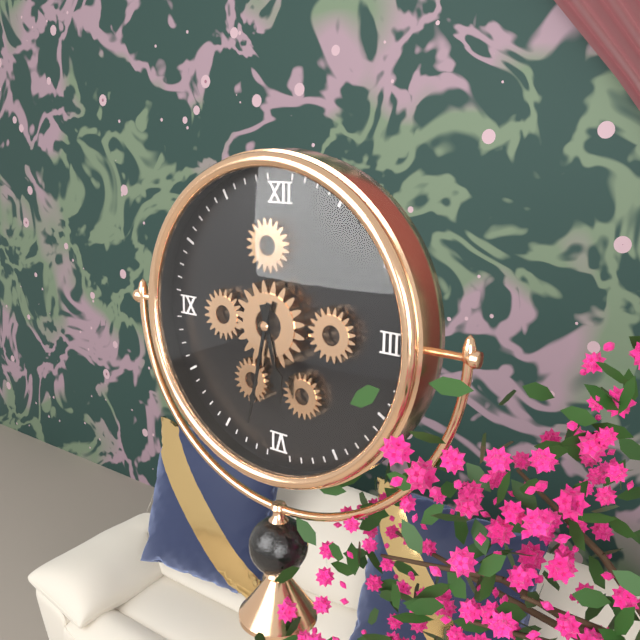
5.32
